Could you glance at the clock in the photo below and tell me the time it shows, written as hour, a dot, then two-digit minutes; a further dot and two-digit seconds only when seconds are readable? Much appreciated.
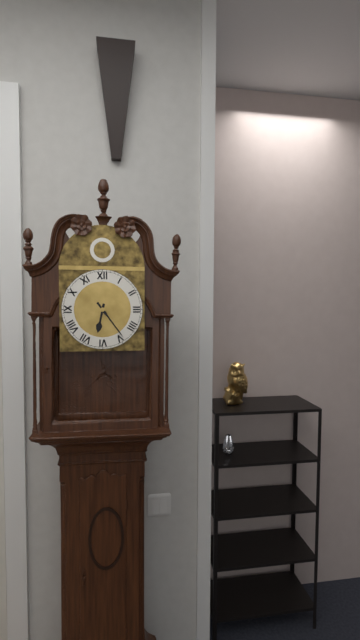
6.24
